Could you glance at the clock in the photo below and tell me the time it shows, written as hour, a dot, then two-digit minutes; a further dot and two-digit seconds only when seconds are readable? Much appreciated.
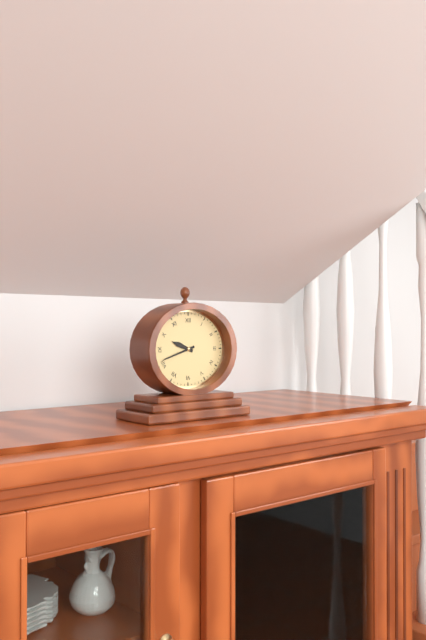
9.42
